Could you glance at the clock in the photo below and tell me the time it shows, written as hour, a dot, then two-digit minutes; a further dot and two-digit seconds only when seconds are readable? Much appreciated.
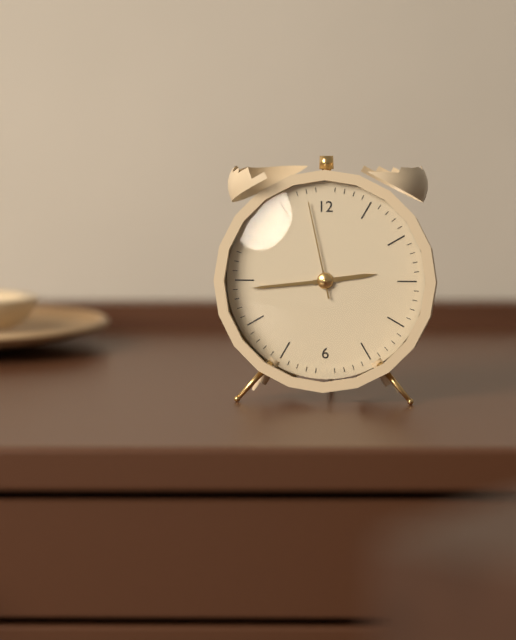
2.44.58
